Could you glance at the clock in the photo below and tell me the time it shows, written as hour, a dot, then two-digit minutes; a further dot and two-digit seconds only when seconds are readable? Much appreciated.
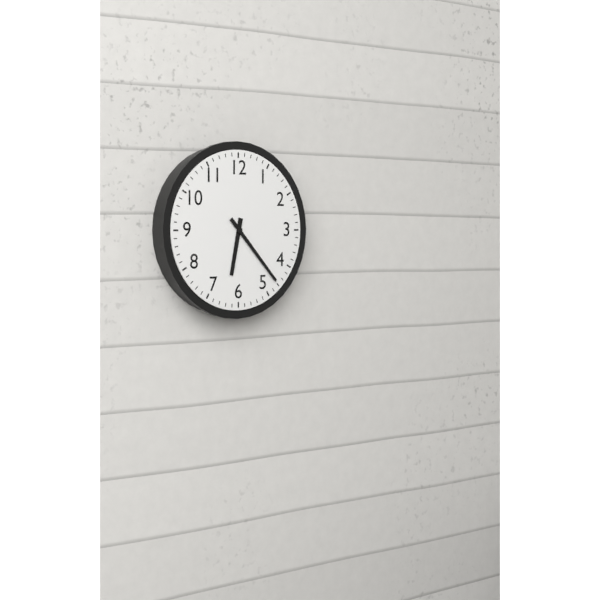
6.23
